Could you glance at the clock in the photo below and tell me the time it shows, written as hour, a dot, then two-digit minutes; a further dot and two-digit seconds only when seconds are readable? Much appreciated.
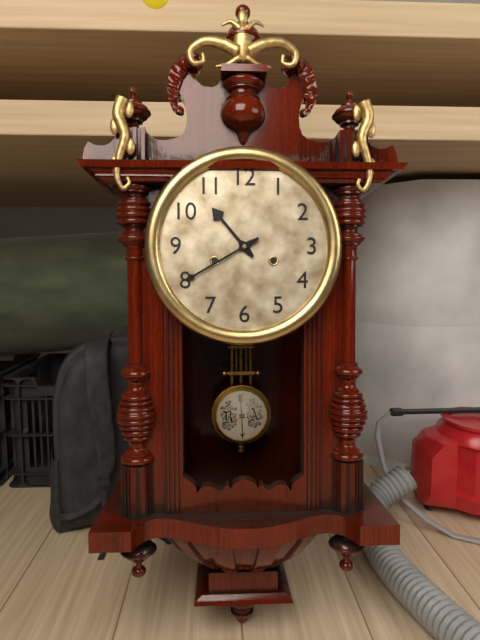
10.40
